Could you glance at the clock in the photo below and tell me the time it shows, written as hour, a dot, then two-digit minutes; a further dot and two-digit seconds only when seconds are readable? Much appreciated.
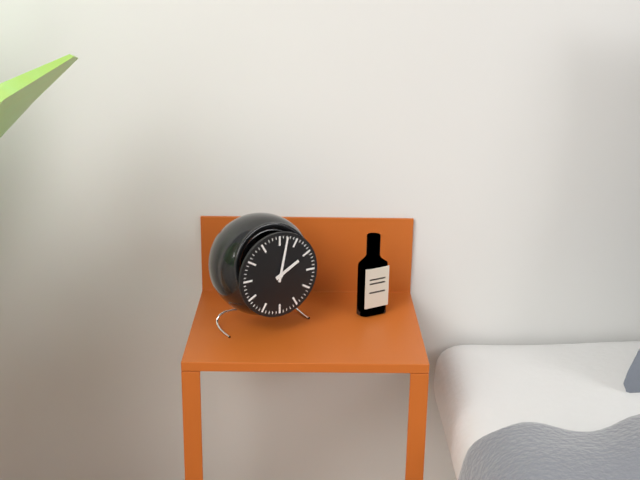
2.02
